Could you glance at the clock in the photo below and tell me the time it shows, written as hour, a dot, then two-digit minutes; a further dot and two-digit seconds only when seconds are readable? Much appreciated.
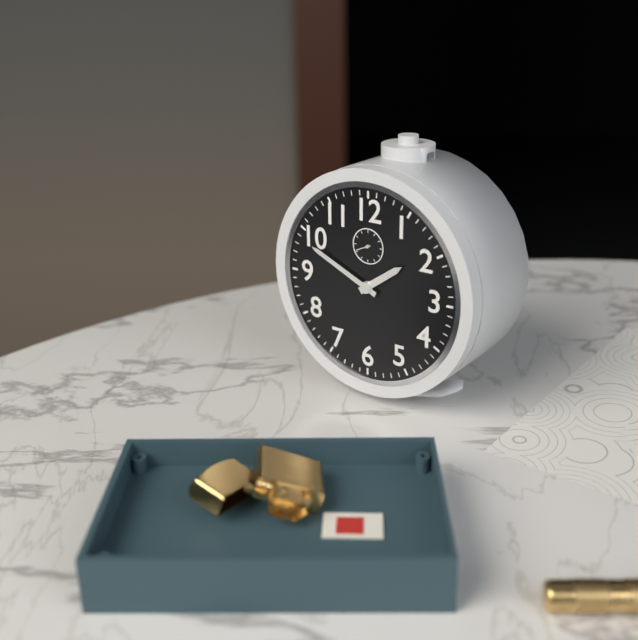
1.49
